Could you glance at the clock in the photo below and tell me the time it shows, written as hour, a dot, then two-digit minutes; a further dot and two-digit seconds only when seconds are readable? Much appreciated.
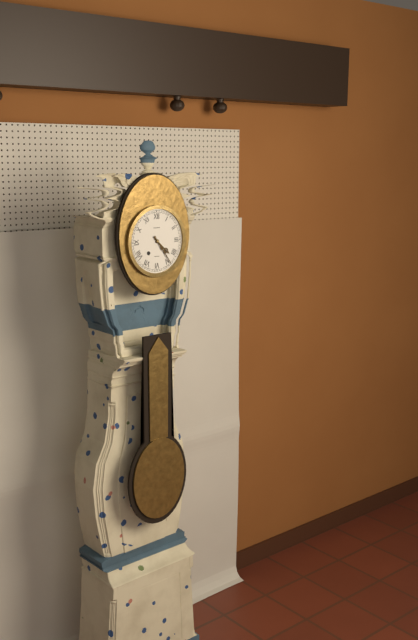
4.24
